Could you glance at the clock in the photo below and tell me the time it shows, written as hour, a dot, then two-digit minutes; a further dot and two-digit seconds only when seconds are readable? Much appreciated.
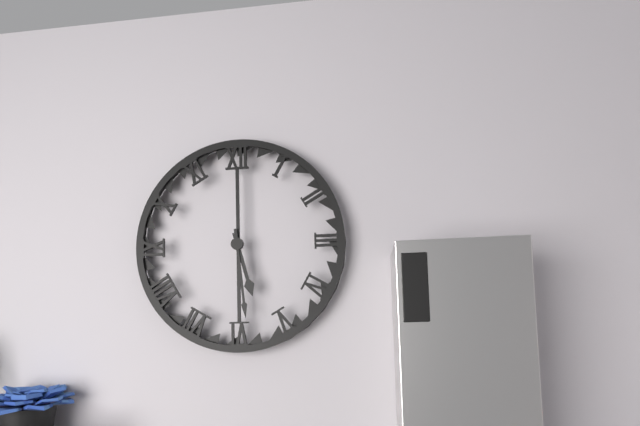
5.29
